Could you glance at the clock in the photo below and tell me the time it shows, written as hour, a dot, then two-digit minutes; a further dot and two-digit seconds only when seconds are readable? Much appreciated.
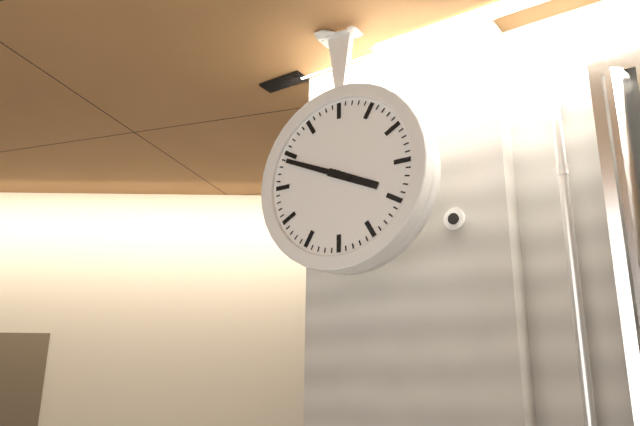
3.49
